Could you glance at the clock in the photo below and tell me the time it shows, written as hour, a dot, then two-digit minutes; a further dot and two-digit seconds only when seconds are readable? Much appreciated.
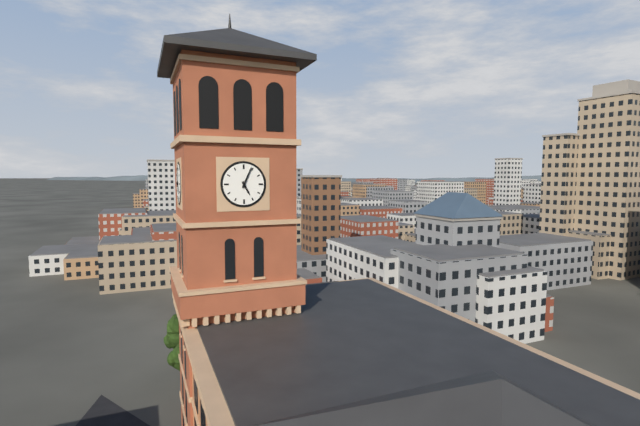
5.04
